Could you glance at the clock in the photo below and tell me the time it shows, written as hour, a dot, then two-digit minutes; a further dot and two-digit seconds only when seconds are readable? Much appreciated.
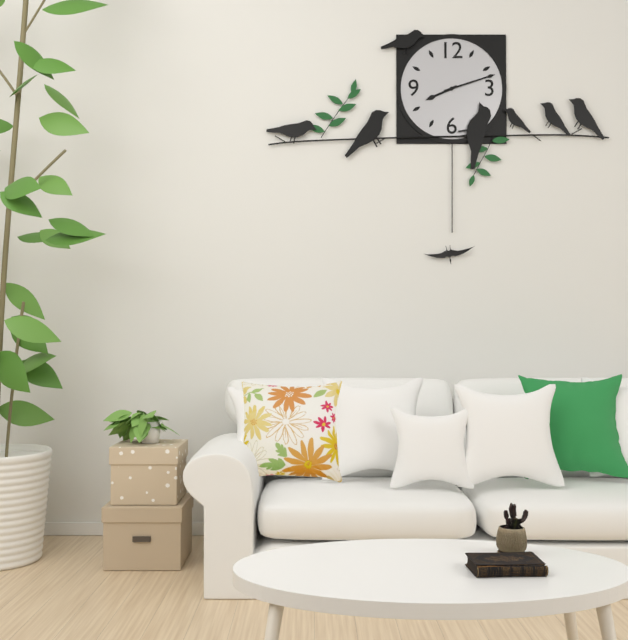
8.12
